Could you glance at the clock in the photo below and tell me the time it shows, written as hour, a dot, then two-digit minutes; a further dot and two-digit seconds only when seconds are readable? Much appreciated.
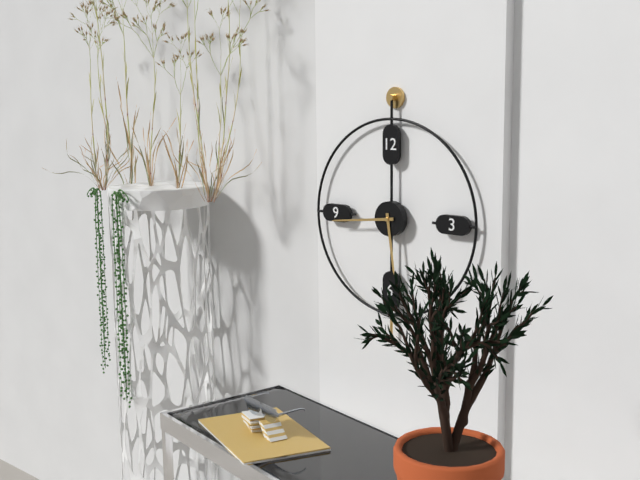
5.44
